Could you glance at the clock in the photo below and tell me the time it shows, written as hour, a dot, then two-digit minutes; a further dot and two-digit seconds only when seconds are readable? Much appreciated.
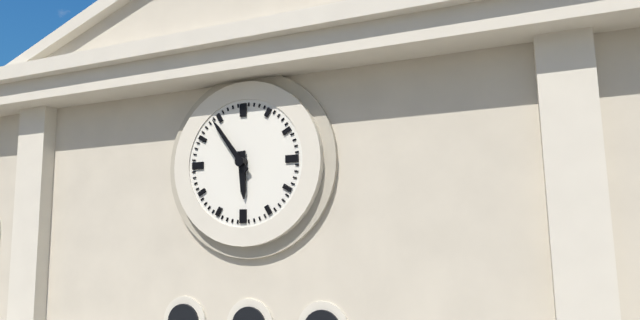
5.54
